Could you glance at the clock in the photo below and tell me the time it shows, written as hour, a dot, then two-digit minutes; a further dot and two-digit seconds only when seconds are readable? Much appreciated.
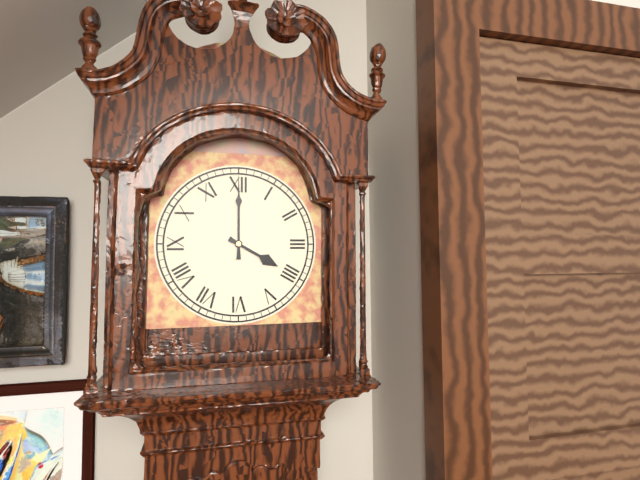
4.00
